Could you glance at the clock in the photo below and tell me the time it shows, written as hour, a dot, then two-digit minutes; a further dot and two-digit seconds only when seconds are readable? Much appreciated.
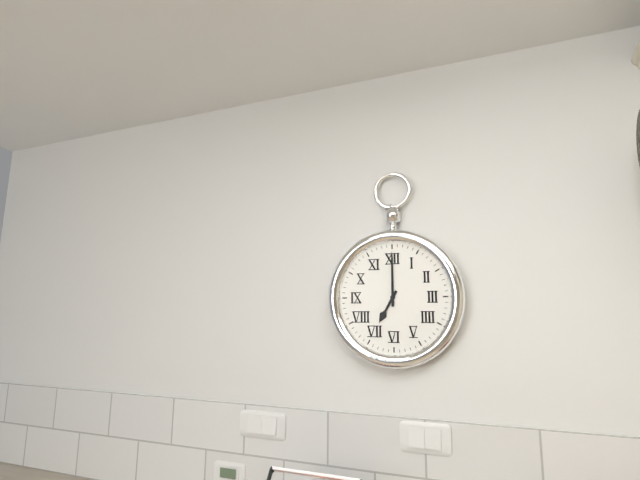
7.00
